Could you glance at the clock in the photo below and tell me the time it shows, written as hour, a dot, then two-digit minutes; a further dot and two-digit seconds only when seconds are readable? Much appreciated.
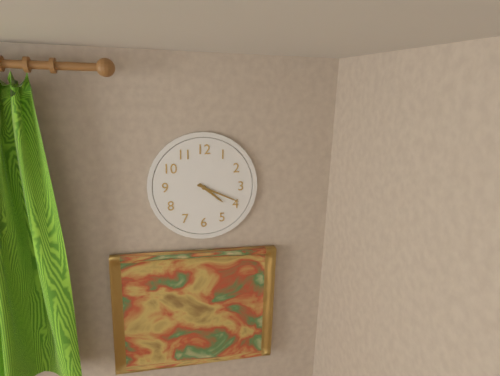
4.19
